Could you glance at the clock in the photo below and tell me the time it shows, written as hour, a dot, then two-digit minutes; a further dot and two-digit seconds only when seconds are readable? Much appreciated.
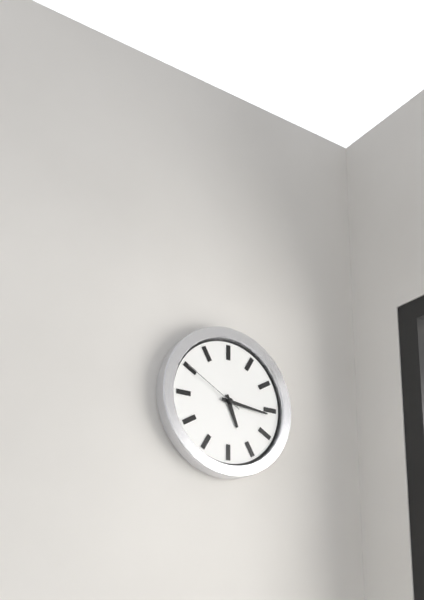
5.16.50
